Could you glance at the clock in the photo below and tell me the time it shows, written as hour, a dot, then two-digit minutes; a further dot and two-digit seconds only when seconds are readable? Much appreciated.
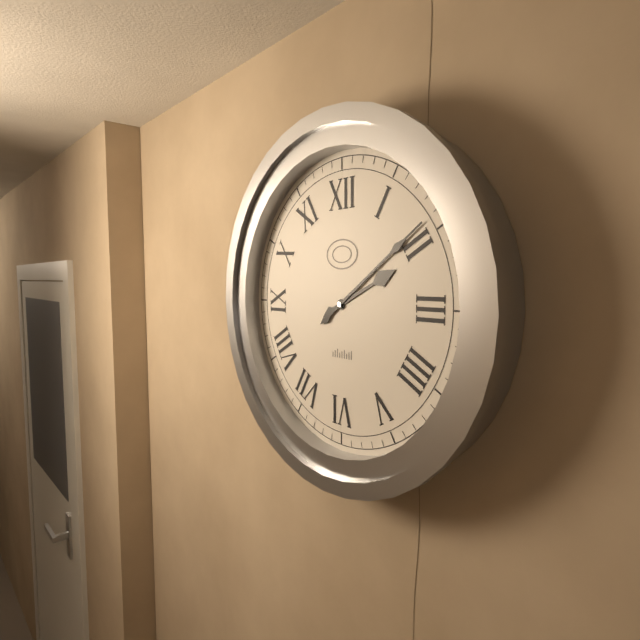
2.09
